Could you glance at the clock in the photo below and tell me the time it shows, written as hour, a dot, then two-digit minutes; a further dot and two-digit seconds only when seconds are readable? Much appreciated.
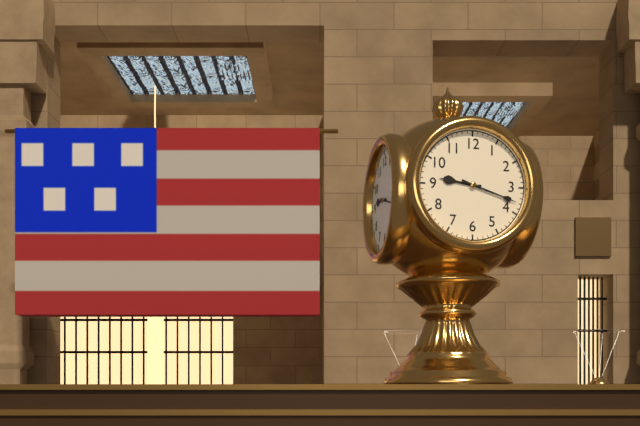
9.18
